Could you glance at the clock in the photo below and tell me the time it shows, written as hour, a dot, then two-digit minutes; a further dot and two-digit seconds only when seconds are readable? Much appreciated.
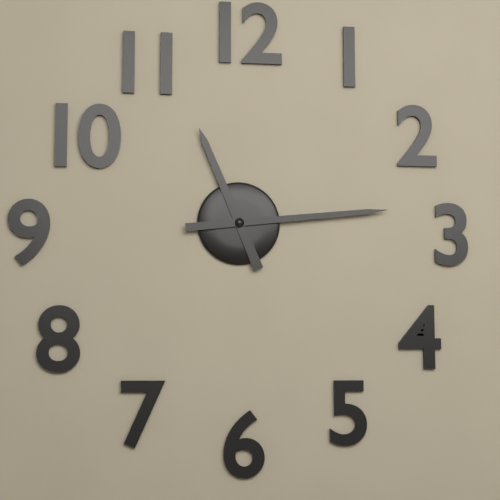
11.14
